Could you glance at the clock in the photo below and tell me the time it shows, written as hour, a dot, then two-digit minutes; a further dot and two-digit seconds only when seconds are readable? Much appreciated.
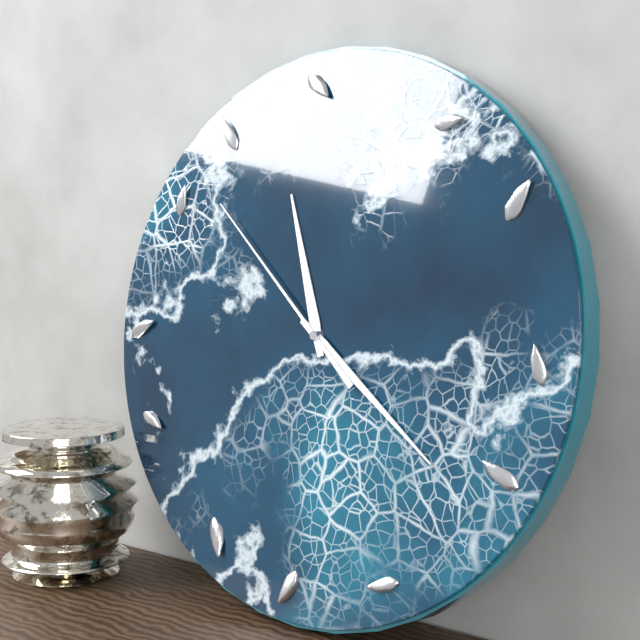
11.21.52
